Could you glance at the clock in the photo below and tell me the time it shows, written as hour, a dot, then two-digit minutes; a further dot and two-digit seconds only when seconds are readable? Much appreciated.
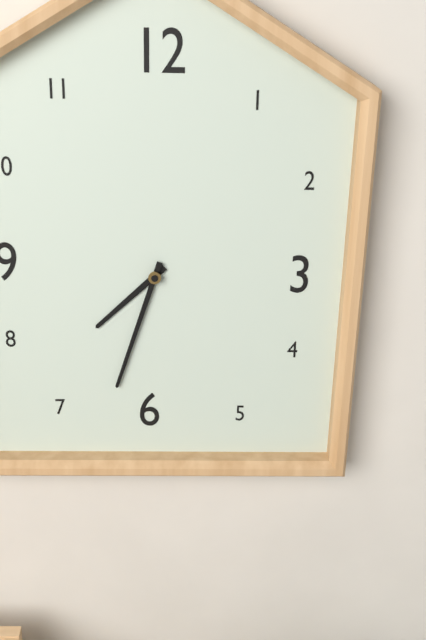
7.33
